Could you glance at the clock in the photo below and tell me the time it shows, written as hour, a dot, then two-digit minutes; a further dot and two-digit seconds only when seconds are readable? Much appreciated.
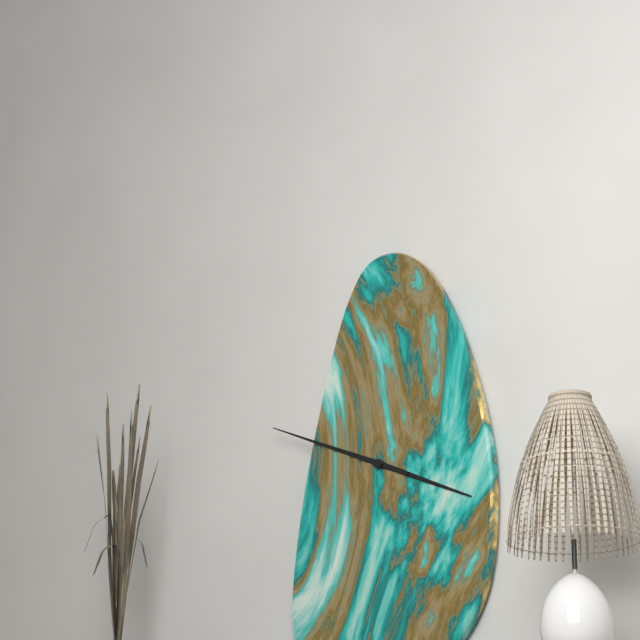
3.49
